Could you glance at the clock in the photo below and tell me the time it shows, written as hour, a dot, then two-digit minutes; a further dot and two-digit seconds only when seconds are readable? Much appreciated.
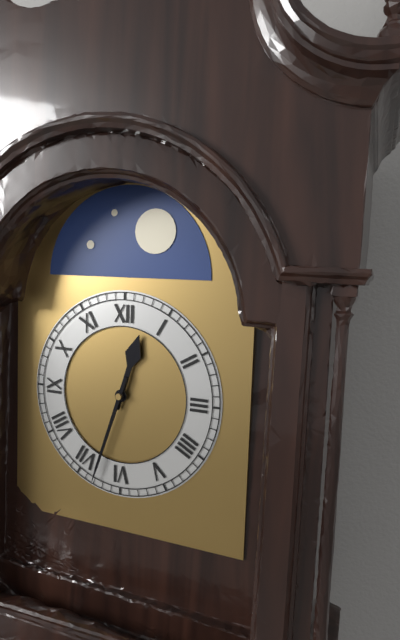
12.33
